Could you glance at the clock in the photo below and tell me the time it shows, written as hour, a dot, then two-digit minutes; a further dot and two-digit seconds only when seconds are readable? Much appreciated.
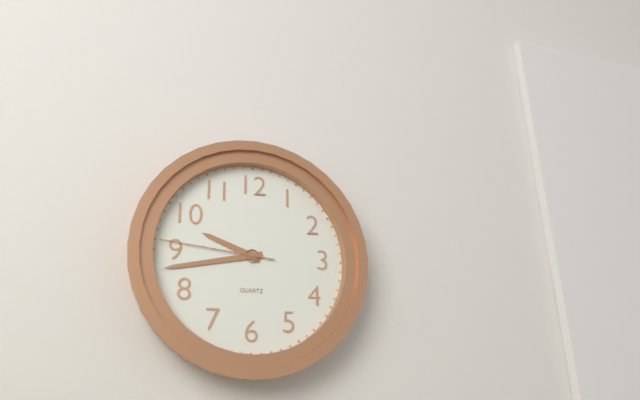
9.43.46
